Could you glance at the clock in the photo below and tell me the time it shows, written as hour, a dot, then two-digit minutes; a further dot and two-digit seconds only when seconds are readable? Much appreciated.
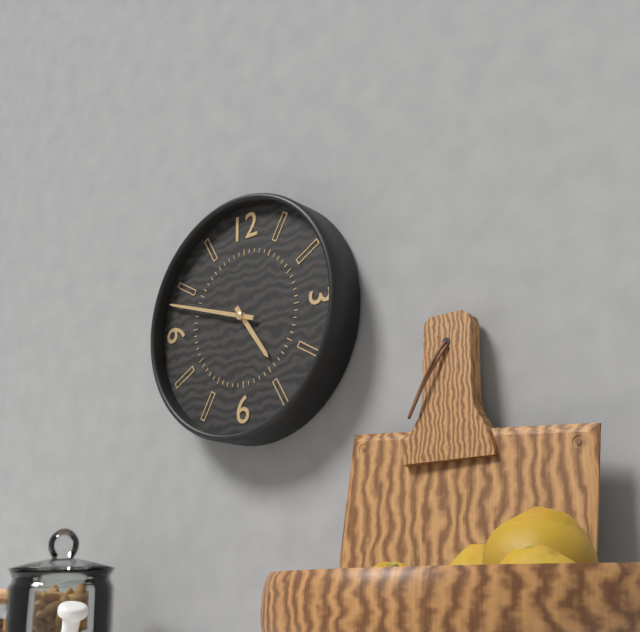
4.48
